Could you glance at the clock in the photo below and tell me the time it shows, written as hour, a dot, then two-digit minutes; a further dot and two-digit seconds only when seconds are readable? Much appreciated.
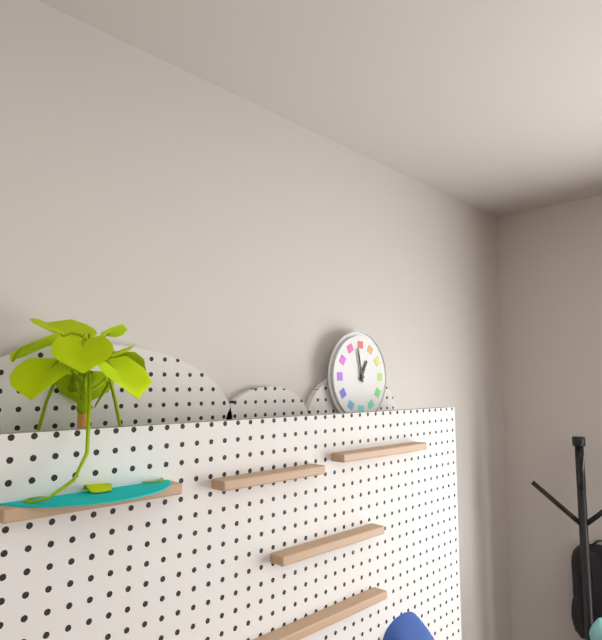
12.58
